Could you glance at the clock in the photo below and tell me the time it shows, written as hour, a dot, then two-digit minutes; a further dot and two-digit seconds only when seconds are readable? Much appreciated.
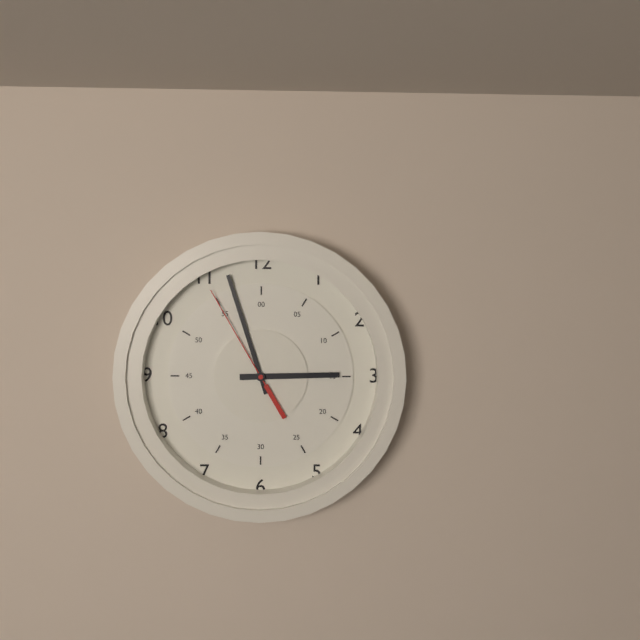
2.57.55
